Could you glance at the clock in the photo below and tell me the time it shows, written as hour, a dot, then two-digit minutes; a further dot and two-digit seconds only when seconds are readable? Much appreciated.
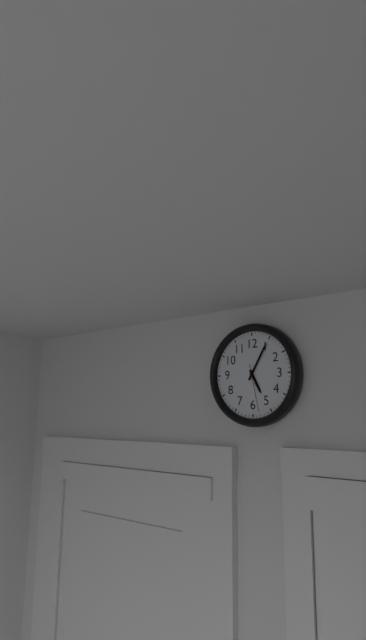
5.05
